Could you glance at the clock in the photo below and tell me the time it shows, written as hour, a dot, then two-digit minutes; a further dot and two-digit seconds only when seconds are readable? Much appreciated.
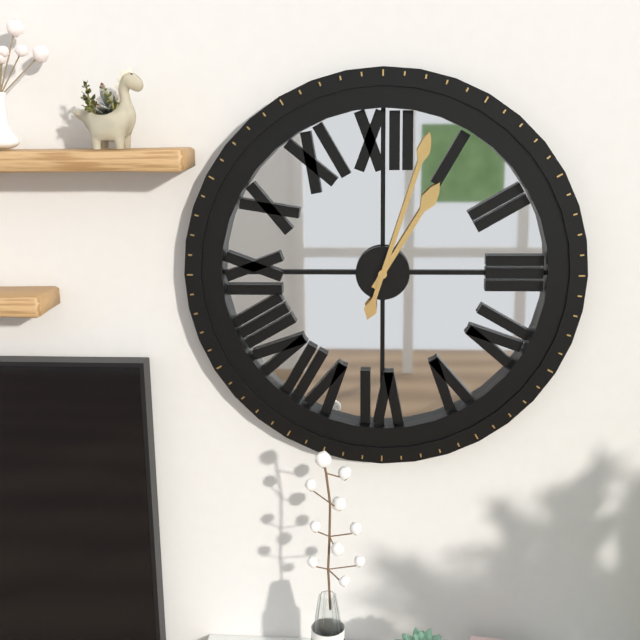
1.03
